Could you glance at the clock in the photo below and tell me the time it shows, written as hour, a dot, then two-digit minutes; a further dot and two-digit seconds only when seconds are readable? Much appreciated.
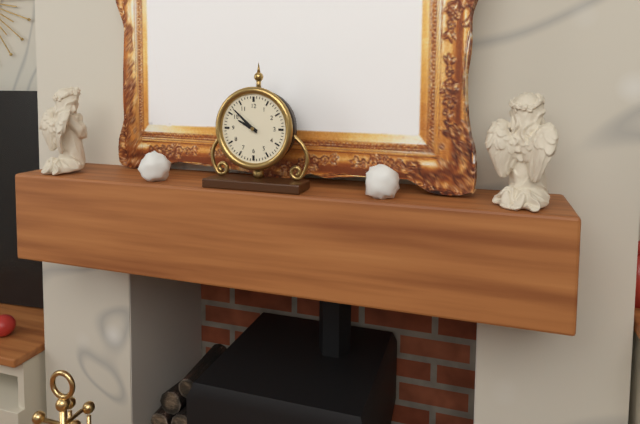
9.52
